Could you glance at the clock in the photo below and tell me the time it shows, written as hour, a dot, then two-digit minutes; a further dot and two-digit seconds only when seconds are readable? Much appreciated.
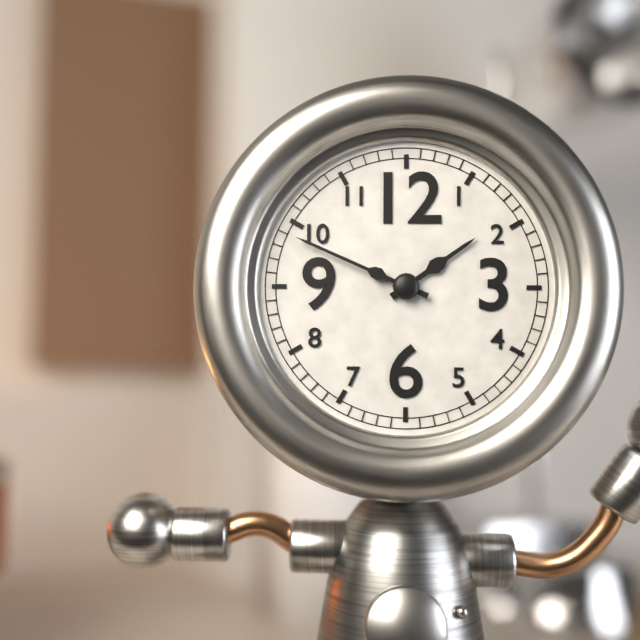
1.49
